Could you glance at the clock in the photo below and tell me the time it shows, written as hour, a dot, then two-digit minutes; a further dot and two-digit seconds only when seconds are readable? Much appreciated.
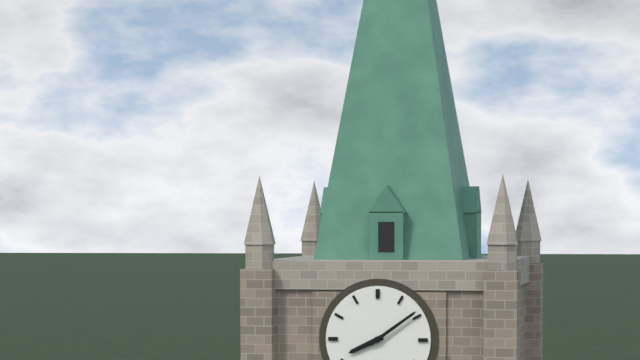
8.09
